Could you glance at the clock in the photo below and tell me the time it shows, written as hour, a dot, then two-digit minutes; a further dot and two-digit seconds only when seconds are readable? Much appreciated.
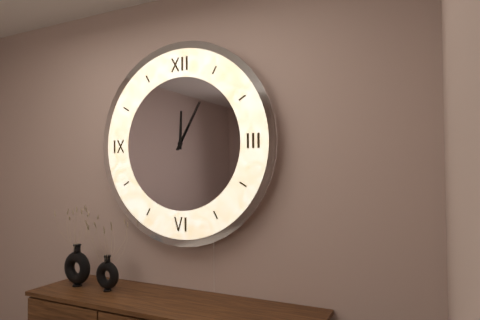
12.05
